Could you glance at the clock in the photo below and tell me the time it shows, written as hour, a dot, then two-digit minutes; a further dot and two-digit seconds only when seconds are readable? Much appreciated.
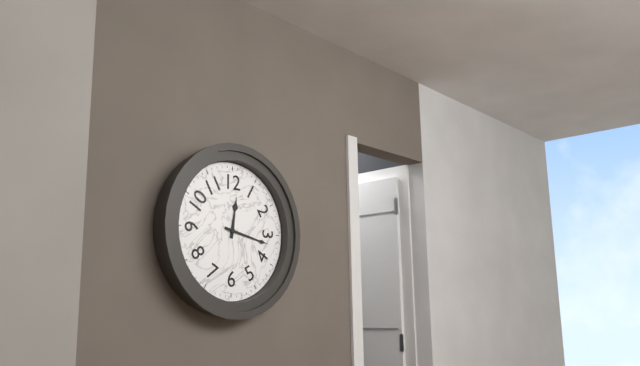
12.17
